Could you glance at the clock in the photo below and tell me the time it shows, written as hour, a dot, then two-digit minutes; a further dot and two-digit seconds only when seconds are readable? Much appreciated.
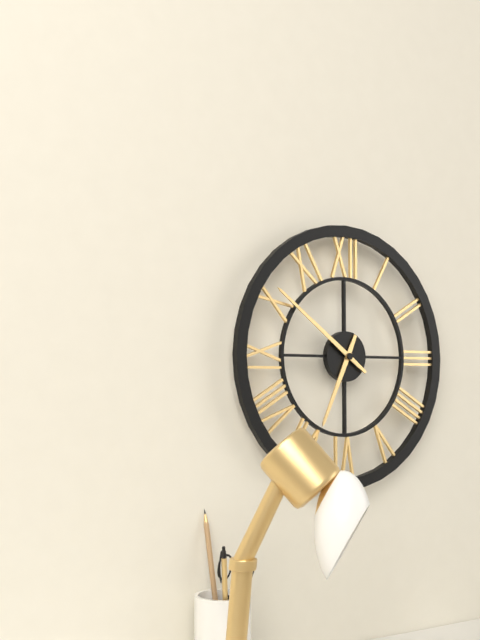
6.51
